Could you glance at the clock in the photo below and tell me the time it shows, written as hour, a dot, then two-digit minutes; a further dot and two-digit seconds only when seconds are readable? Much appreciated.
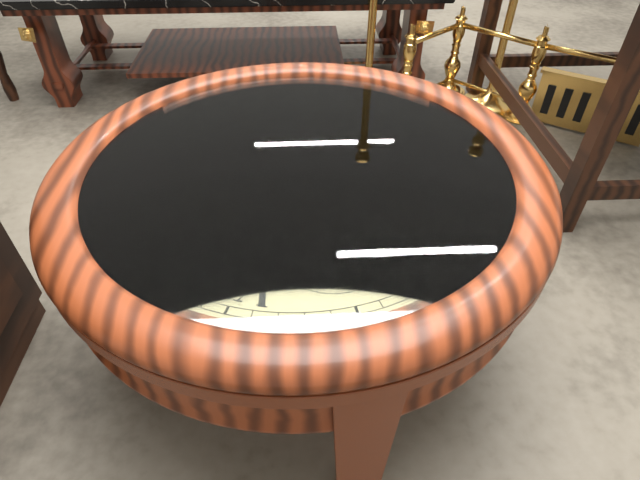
12.25.54
